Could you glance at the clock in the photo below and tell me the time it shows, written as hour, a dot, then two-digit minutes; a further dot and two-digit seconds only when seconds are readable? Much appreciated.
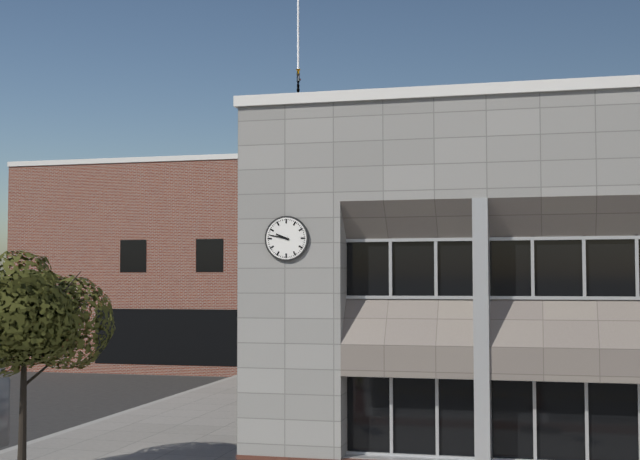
9.47
